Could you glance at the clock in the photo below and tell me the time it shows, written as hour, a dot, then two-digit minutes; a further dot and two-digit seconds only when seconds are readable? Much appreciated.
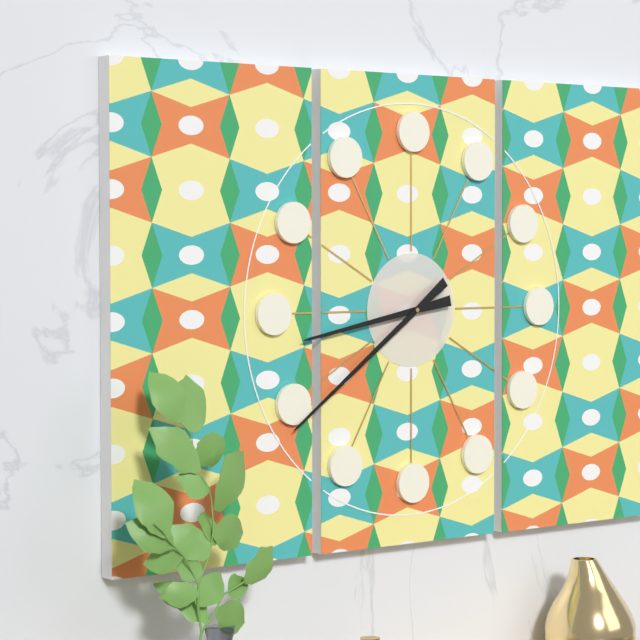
8.39
